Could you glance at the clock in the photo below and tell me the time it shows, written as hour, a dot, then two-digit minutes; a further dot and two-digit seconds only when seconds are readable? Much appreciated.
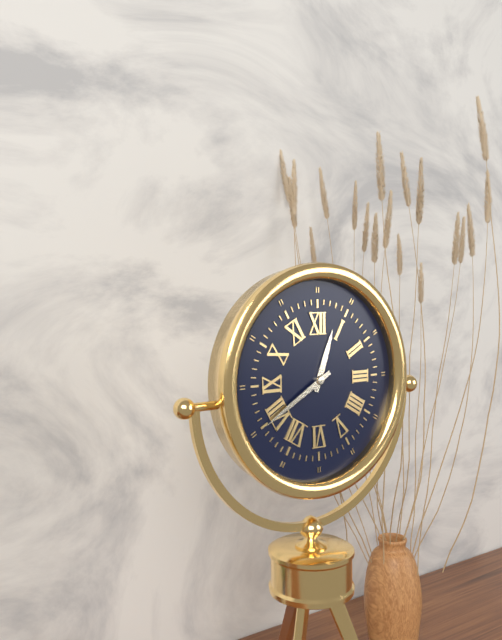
12.40
